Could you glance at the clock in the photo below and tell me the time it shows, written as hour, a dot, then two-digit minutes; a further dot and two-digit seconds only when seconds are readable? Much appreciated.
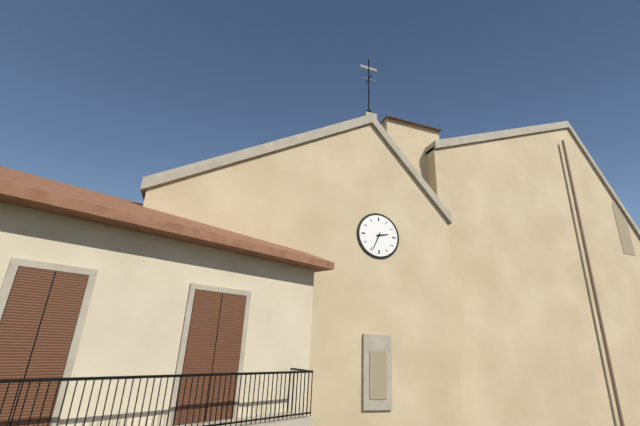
2.34
